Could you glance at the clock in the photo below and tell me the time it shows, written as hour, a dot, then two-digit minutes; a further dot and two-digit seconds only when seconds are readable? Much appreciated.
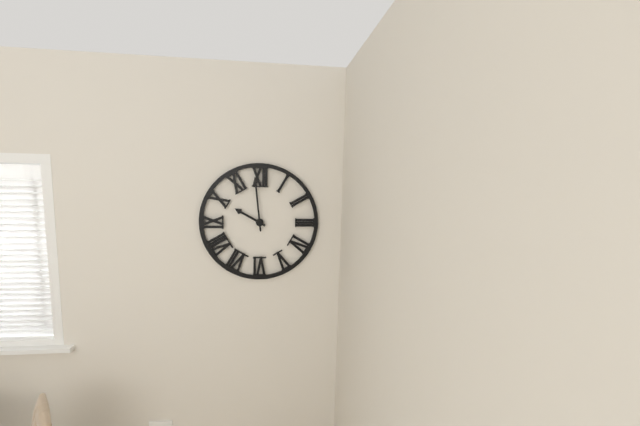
9.59
